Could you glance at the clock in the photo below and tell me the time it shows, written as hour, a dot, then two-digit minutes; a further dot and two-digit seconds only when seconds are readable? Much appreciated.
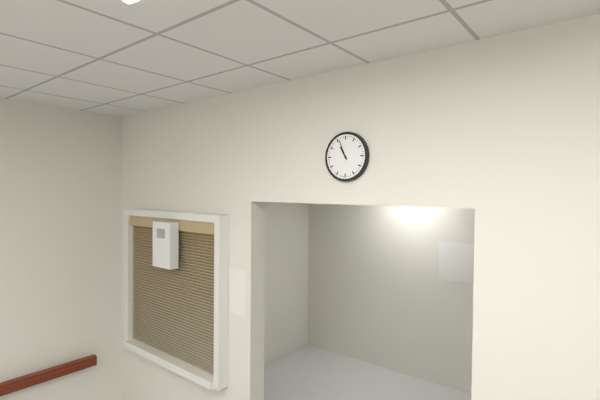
10.56
